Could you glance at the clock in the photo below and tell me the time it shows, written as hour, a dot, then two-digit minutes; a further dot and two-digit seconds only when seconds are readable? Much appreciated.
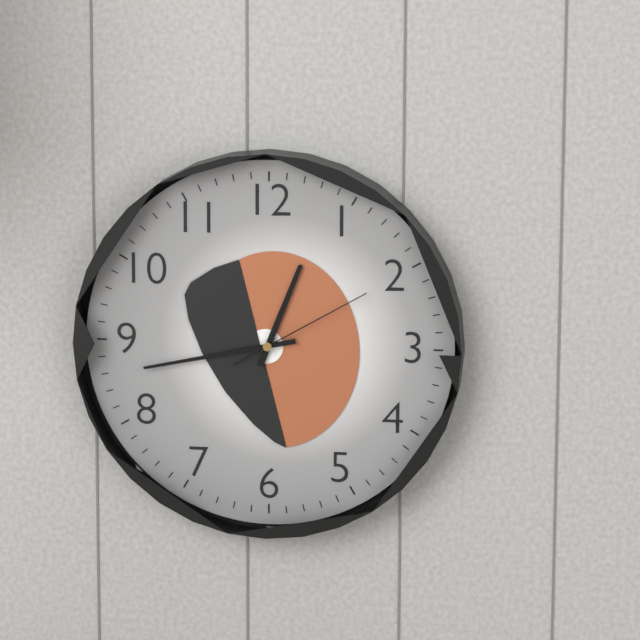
12.43.10
